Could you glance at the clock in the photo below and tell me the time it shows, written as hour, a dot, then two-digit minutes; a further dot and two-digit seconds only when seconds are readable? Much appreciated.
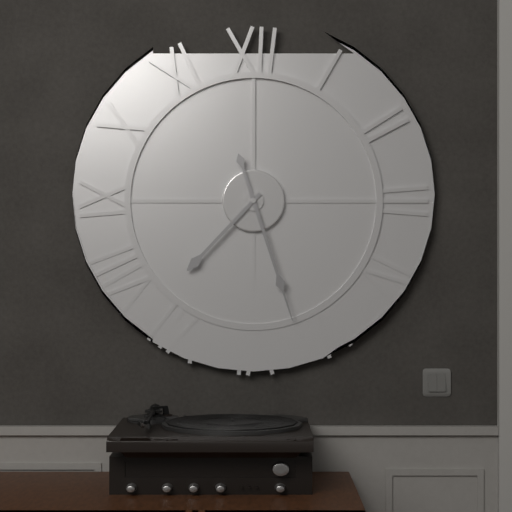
7.27
